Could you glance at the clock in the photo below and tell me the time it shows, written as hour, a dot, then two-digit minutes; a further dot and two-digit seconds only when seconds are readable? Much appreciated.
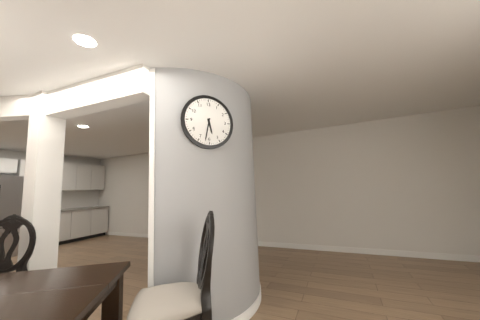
5.32
